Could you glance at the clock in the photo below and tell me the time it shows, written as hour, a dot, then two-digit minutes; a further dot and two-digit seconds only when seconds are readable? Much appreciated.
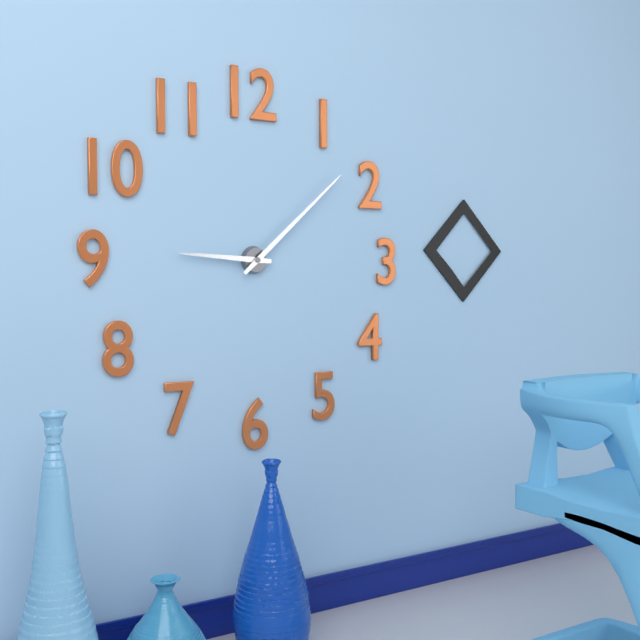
9.08
